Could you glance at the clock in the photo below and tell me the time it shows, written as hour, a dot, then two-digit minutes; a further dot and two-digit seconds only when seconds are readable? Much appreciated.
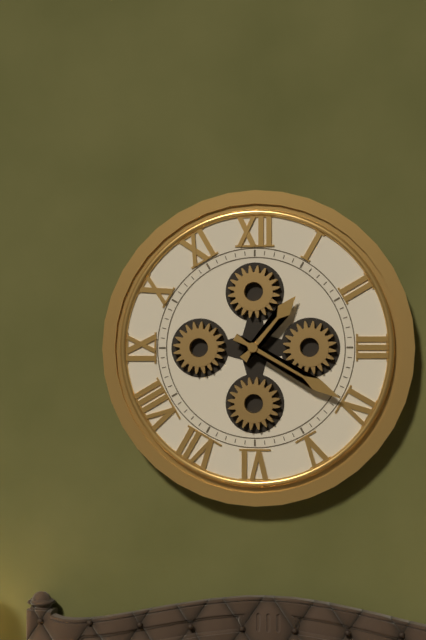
1.20
